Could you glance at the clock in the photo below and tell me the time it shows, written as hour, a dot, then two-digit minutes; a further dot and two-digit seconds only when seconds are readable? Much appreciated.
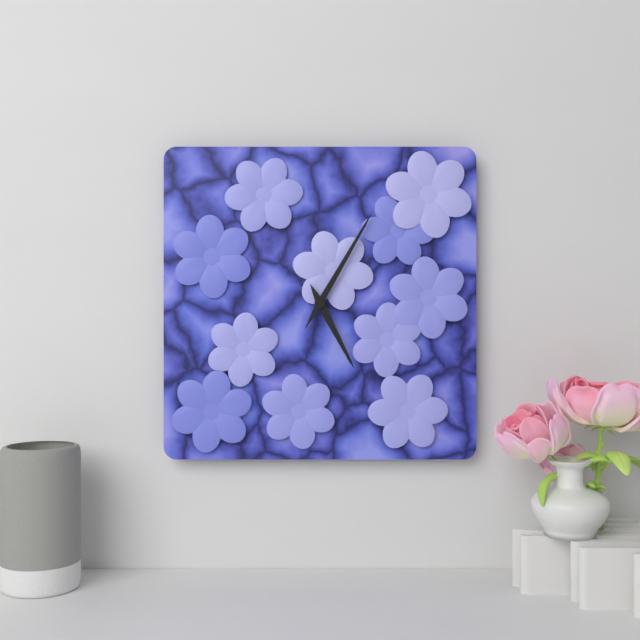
5.05
